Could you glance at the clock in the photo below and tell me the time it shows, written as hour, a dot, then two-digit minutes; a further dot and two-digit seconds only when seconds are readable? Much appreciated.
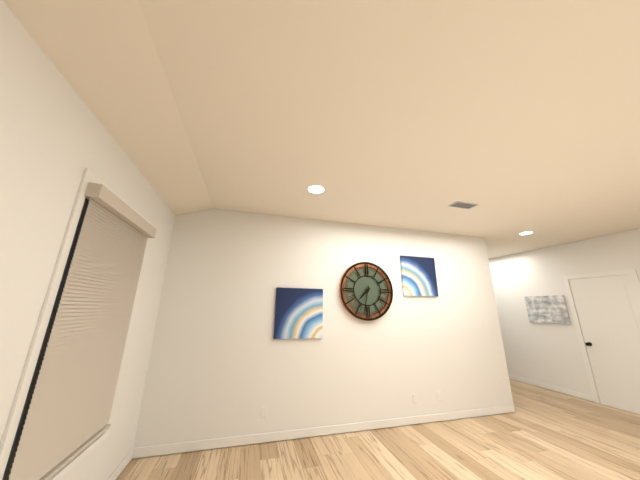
7.32
